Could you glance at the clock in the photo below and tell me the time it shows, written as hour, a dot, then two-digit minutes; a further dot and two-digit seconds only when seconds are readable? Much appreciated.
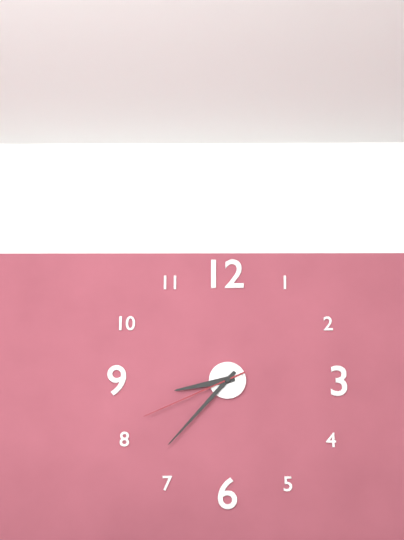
8.37.41
